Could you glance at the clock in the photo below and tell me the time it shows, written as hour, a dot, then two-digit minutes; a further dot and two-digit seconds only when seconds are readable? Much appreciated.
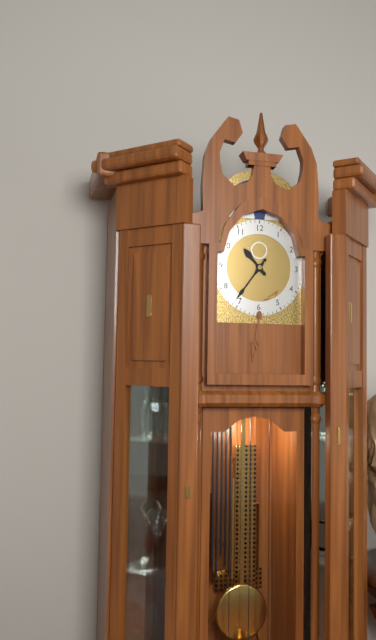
10.36
